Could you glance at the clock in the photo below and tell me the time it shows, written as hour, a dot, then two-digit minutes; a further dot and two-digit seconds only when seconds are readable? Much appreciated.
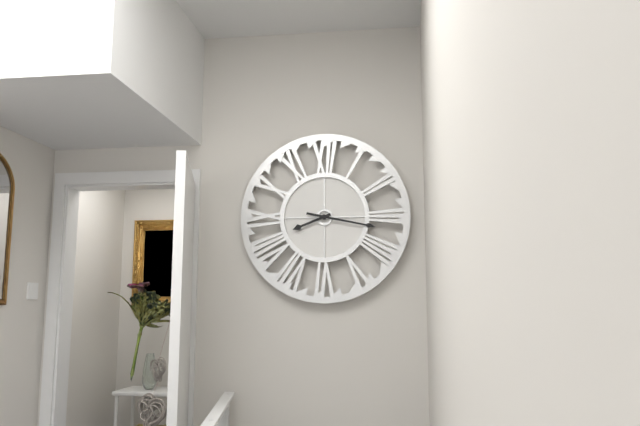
8.17
